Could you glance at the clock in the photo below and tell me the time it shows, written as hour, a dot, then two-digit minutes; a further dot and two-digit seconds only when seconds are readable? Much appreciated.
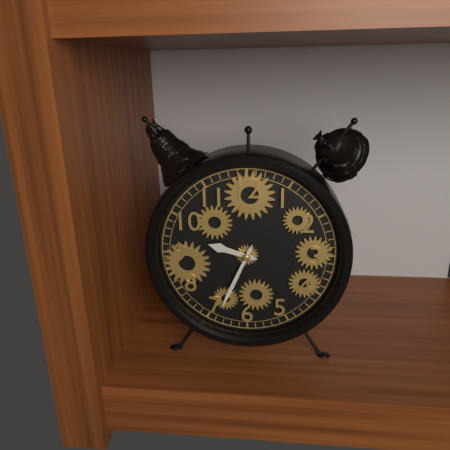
9.34
